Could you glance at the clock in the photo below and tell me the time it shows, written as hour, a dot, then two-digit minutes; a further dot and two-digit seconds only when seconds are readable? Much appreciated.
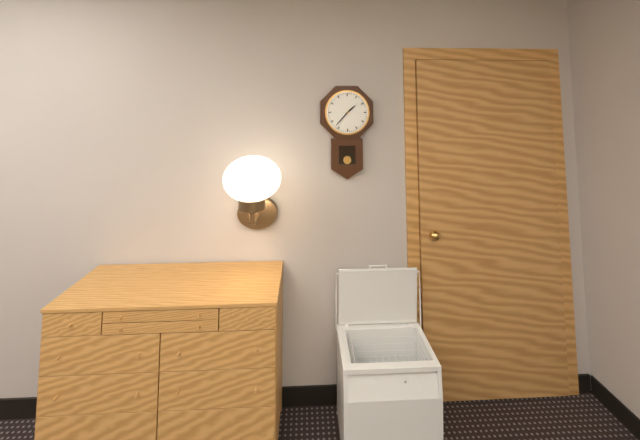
1.37
